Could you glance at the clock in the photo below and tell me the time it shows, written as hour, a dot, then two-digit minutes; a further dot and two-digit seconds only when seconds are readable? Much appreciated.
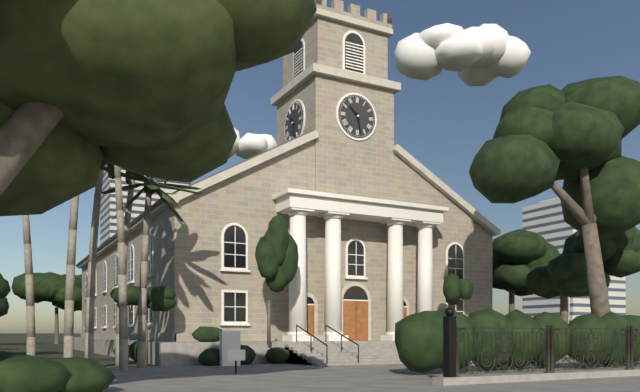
10.28
